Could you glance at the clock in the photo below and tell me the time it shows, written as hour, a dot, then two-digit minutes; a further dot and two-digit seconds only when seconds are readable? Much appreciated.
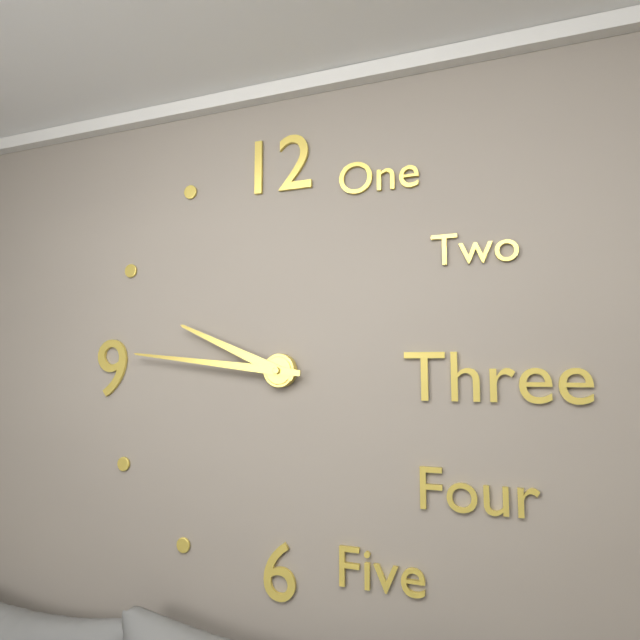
9.46
